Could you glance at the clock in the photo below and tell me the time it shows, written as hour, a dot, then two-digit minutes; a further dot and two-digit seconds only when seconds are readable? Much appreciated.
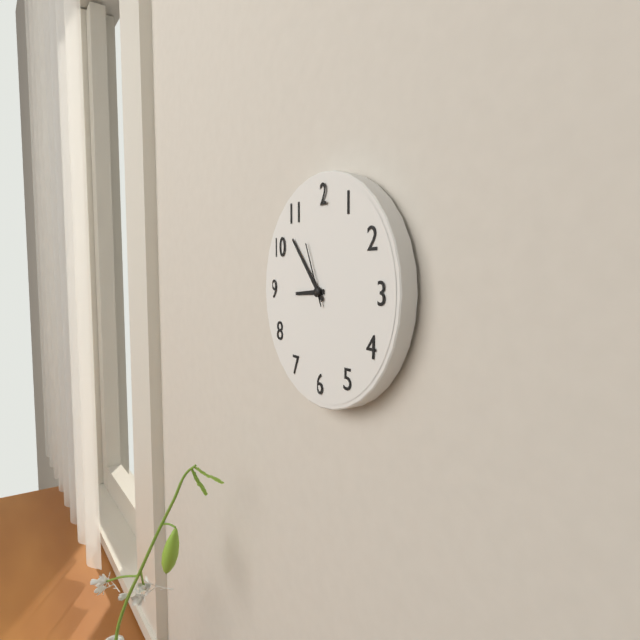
8.53.56
